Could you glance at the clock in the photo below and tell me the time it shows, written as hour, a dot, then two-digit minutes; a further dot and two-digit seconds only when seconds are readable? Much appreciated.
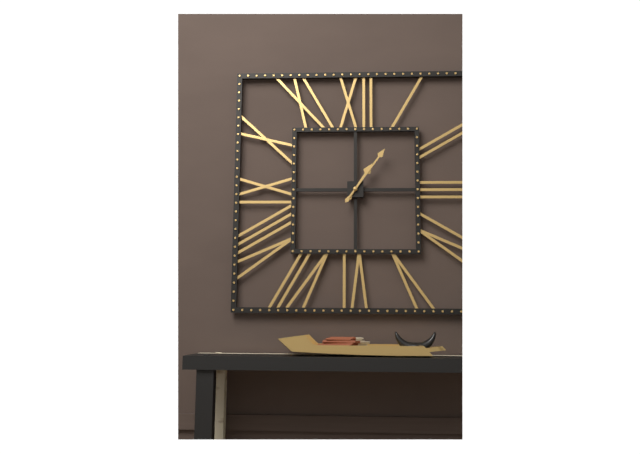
1.06
